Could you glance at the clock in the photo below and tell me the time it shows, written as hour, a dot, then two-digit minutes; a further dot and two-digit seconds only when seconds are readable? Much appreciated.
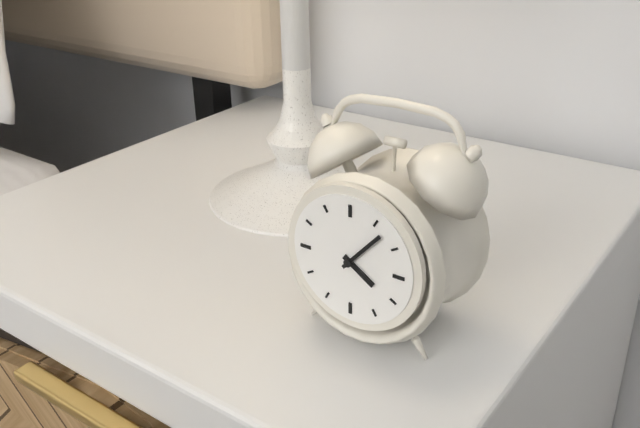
4.07
